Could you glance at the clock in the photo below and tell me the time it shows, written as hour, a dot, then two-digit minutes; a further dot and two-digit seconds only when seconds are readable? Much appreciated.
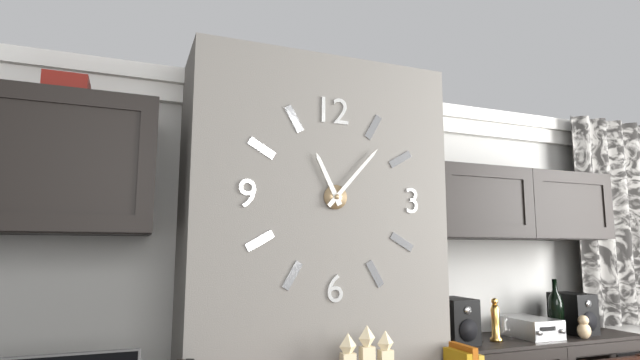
11.07
